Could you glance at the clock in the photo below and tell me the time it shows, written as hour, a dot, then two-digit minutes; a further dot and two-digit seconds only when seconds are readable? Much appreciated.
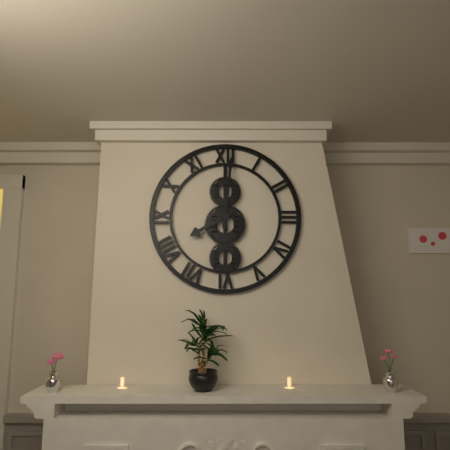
8.01
